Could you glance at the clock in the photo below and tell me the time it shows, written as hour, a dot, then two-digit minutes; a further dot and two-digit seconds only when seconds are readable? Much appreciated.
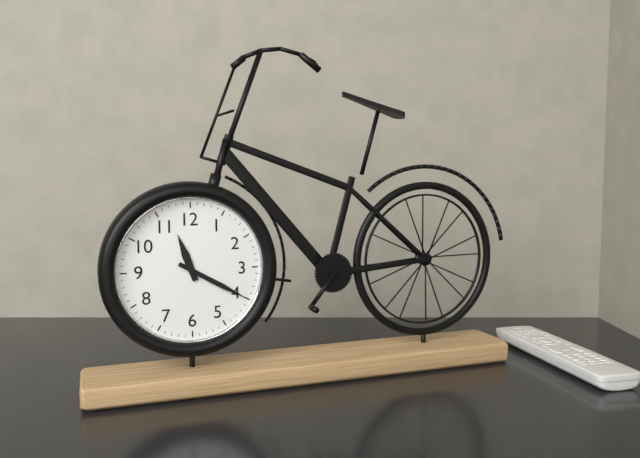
11.20
